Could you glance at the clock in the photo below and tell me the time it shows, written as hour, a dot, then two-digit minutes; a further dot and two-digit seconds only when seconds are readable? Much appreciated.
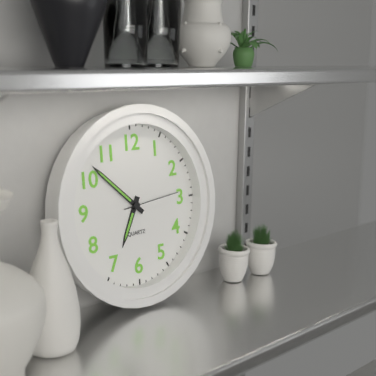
6.52.14
